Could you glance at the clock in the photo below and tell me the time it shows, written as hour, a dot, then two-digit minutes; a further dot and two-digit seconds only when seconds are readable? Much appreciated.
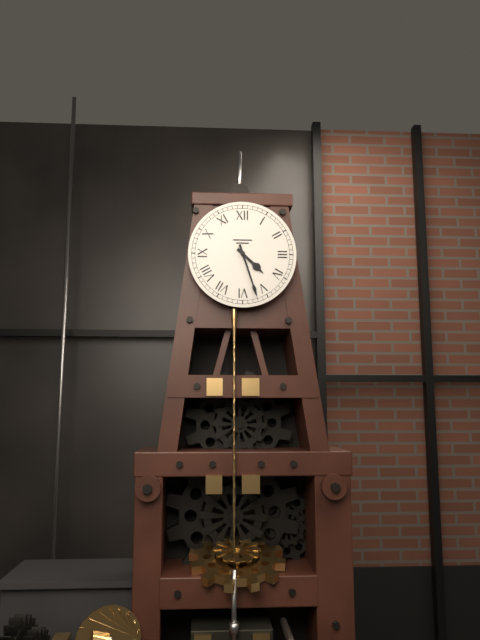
4.27
